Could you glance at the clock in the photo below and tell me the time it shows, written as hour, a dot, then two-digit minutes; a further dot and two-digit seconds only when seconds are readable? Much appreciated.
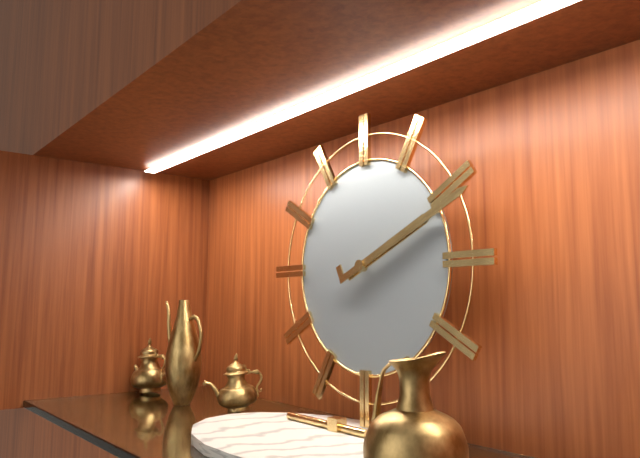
2.11
